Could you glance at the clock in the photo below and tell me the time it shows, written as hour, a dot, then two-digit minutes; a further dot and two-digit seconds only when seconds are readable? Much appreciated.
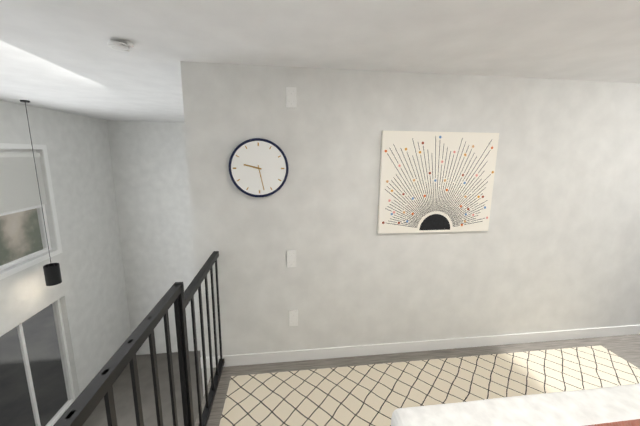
9.28
